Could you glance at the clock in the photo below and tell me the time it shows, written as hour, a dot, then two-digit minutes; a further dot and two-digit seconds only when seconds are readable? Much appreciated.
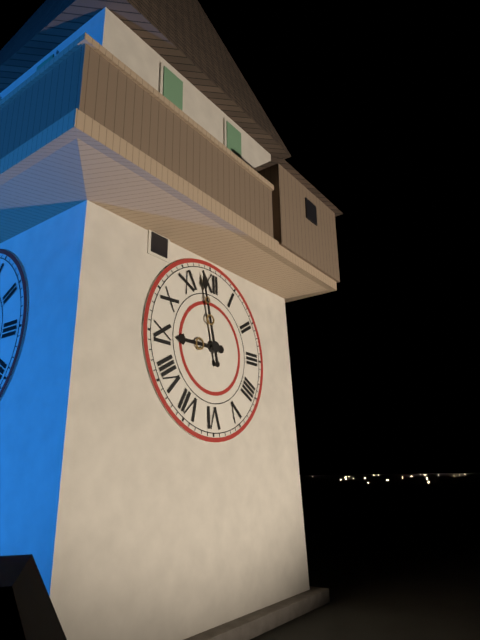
8.58
